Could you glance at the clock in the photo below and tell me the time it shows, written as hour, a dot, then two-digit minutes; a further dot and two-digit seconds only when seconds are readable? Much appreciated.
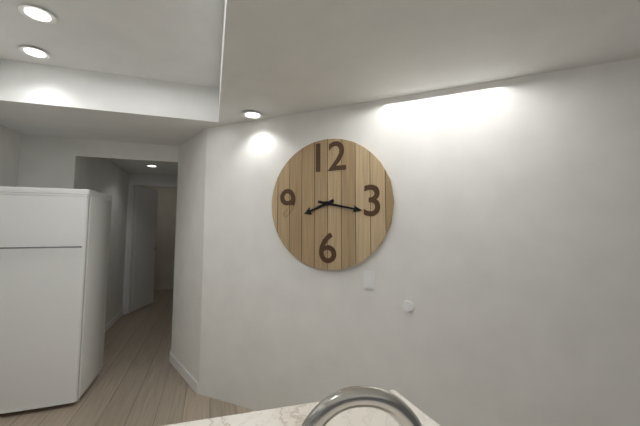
8.17
